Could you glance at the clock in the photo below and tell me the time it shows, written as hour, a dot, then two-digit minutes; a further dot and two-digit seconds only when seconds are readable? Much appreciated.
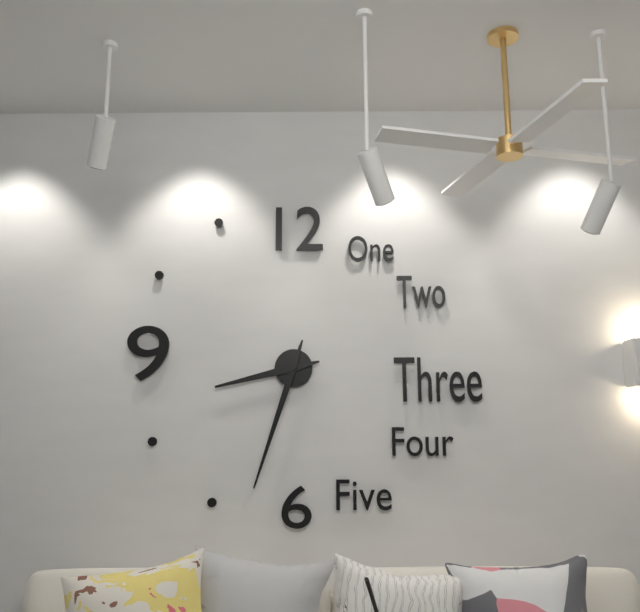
8.33
